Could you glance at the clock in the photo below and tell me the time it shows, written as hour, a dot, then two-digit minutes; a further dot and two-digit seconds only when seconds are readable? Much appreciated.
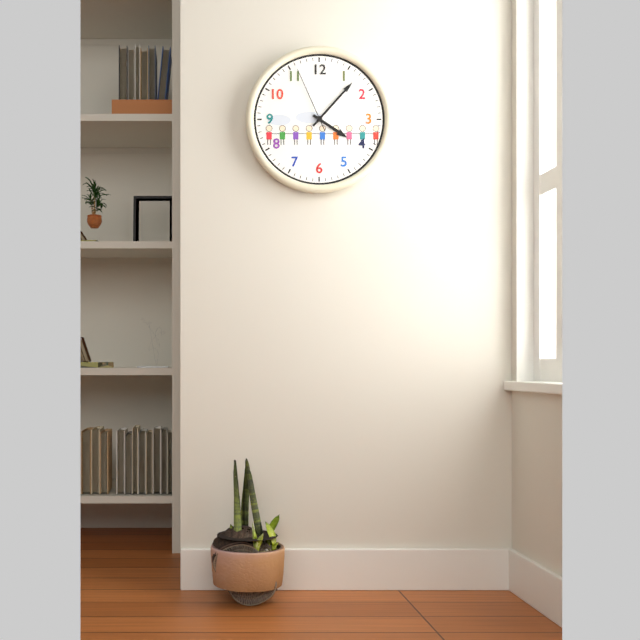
4.07.56
